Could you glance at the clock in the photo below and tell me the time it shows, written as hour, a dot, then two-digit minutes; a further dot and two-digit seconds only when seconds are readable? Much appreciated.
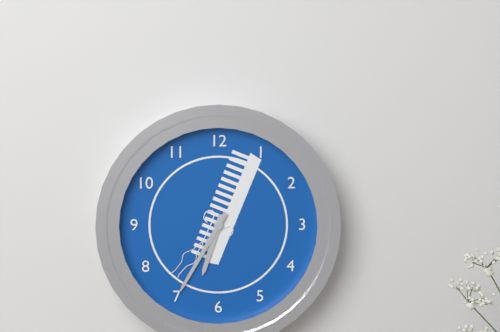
6.35
